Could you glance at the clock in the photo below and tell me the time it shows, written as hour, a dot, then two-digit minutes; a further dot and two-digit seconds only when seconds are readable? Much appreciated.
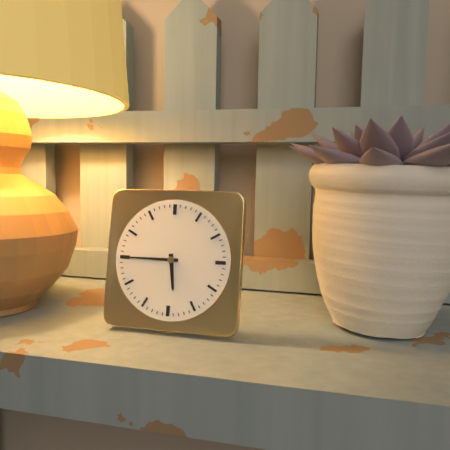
5.45
